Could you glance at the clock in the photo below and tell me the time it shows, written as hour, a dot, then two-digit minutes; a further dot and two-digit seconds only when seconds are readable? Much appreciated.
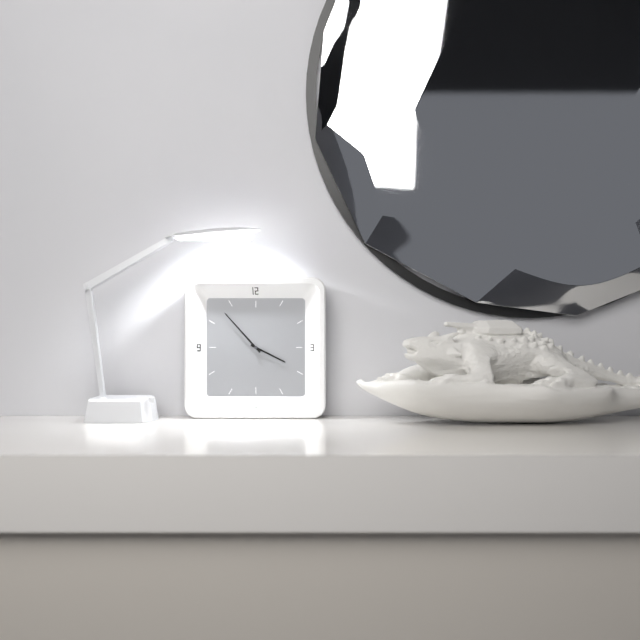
3.53
